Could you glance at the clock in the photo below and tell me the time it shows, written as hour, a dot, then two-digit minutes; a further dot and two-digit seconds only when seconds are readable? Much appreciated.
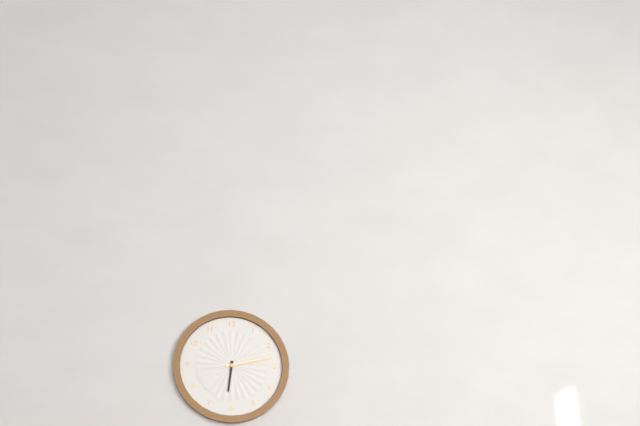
6.13
